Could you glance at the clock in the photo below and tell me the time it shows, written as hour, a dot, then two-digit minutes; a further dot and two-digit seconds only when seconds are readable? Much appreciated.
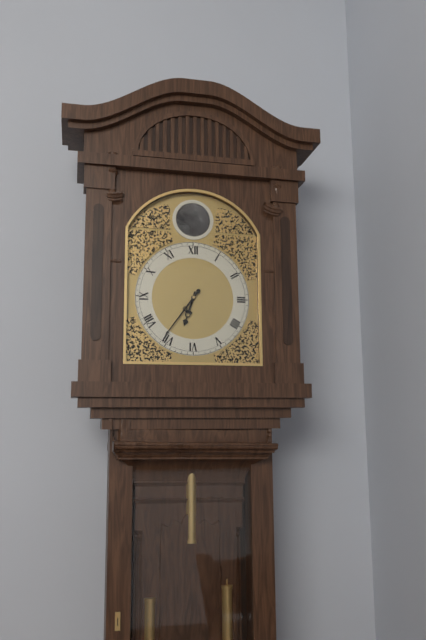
6.36
